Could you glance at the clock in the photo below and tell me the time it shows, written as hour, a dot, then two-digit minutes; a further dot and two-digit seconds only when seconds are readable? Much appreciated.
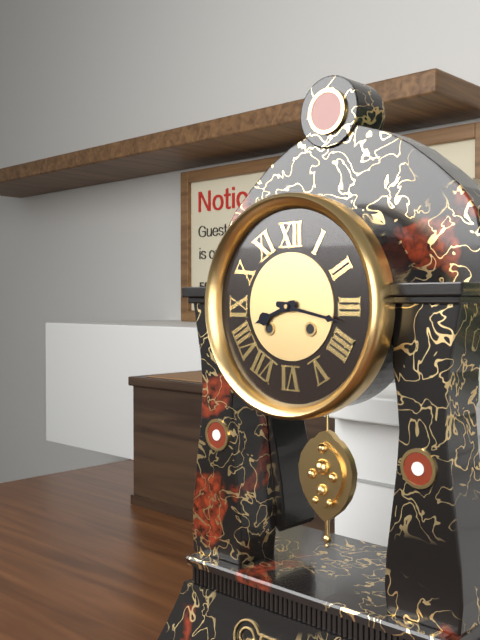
8.17
